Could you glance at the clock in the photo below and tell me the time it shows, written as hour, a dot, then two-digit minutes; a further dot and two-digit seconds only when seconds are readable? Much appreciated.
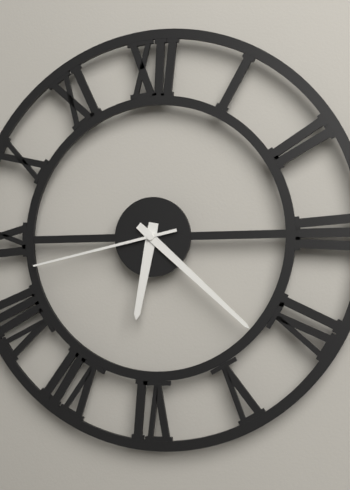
6.22.43
